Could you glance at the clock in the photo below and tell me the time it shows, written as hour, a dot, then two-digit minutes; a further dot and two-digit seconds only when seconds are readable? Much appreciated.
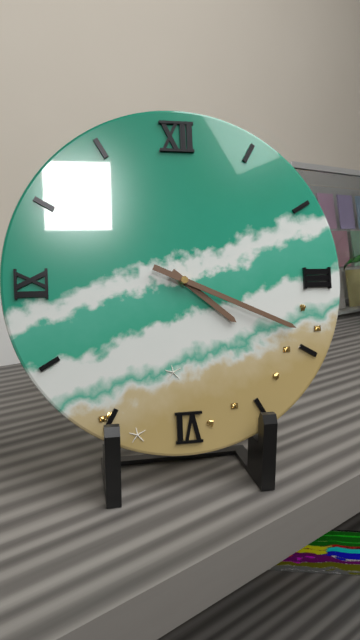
4.19
